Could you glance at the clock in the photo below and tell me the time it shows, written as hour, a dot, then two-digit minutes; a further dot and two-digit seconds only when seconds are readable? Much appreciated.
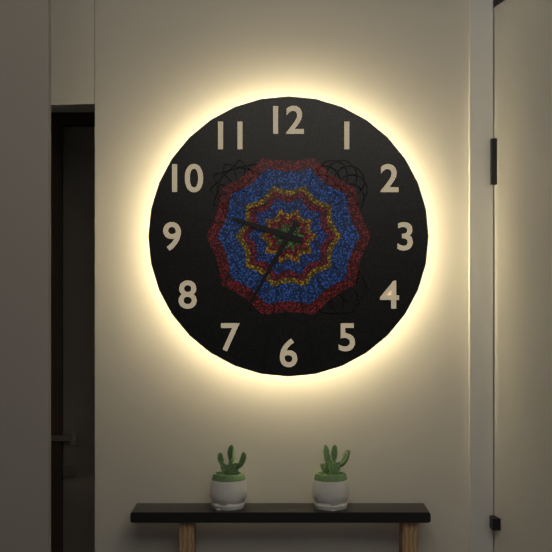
9.35
